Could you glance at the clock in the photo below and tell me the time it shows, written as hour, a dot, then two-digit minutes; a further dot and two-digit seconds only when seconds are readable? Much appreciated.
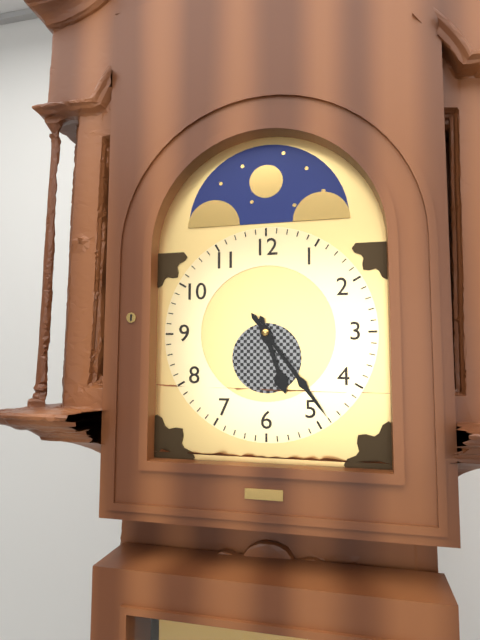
5.24
